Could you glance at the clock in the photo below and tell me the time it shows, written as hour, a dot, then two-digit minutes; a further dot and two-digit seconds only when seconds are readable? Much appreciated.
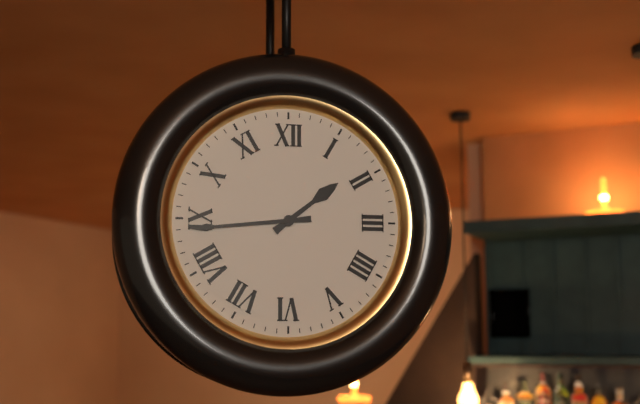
1.44
